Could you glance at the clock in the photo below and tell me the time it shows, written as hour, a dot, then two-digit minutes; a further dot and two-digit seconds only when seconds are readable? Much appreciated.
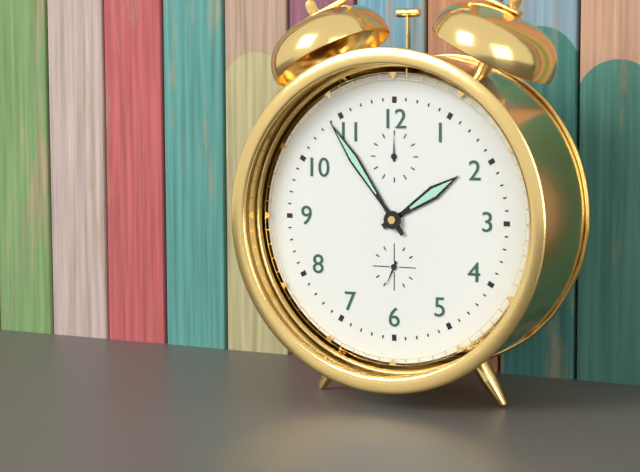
1.54
